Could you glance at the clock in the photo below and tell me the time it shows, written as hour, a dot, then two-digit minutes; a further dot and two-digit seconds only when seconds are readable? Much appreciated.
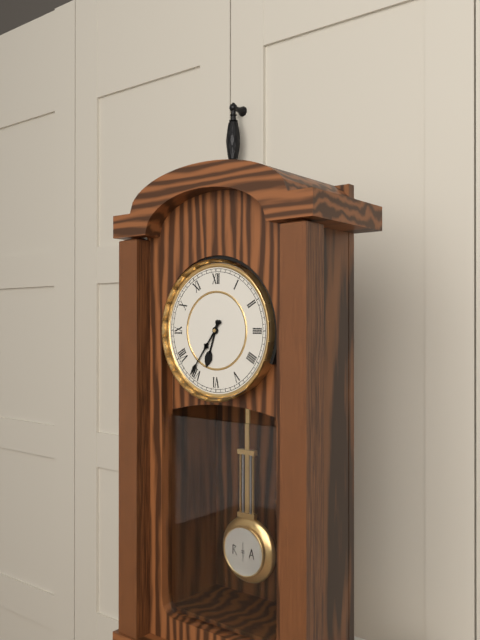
6.36
